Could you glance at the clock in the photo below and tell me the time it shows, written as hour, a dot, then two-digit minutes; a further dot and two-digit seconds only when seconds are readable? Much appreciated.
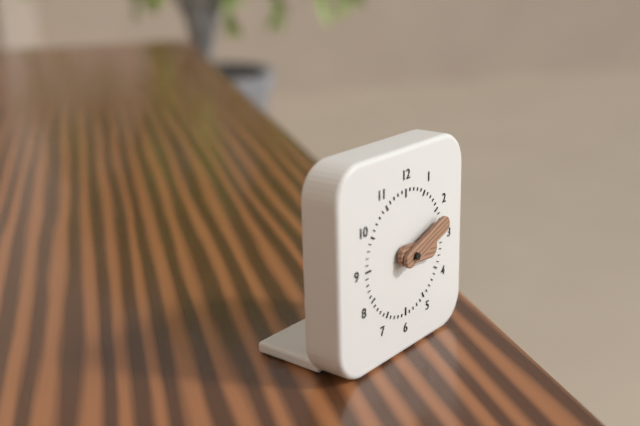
3.12
